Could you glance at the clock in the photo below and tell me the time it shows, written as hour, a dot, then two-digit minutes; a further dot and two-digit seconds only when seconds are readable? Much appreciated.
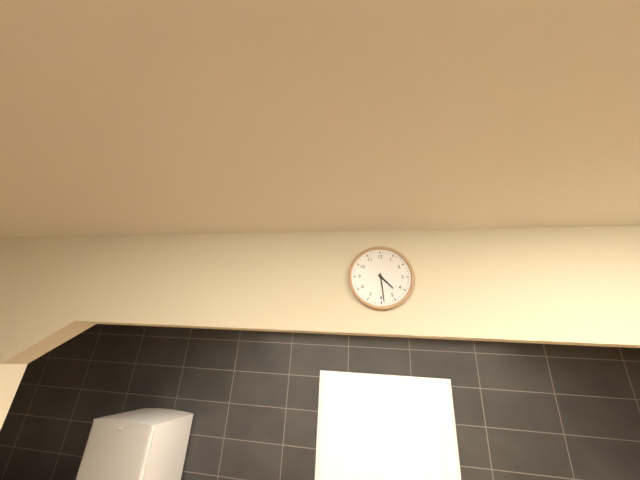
4.29
